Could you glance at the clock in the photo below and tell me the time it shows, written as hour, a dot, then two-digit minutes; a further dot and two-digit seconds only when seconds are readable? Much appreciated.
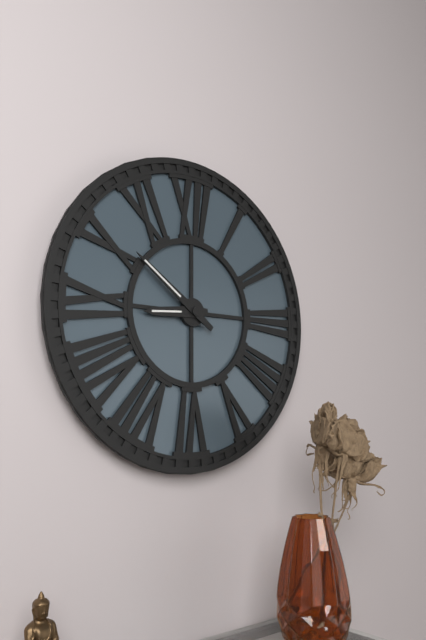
8.51
